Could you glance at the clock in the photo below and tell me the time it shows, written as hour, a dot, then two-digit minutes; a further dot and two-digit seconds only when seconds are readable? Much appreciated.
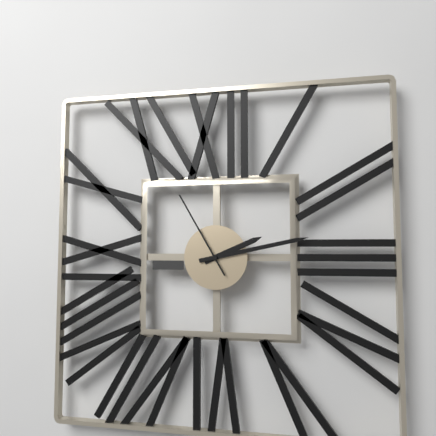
2.13.55
